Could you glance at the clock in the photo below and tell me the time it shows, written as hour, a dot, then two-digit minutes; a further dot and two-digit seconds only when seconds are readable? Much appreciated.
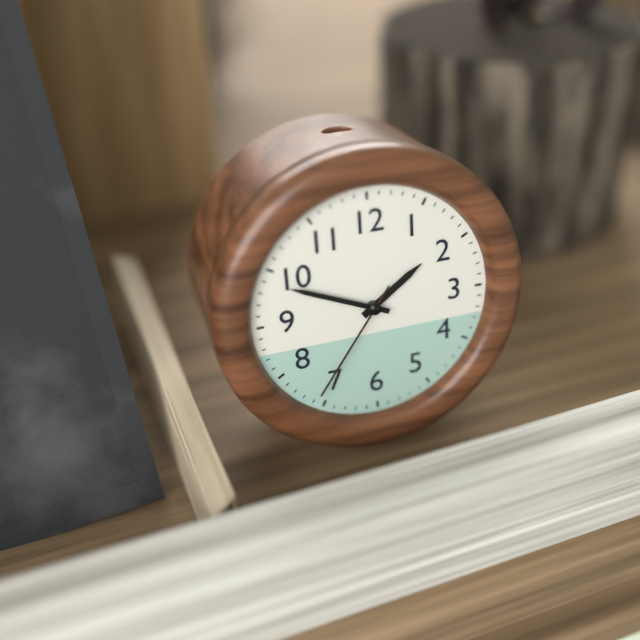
1.49.36
